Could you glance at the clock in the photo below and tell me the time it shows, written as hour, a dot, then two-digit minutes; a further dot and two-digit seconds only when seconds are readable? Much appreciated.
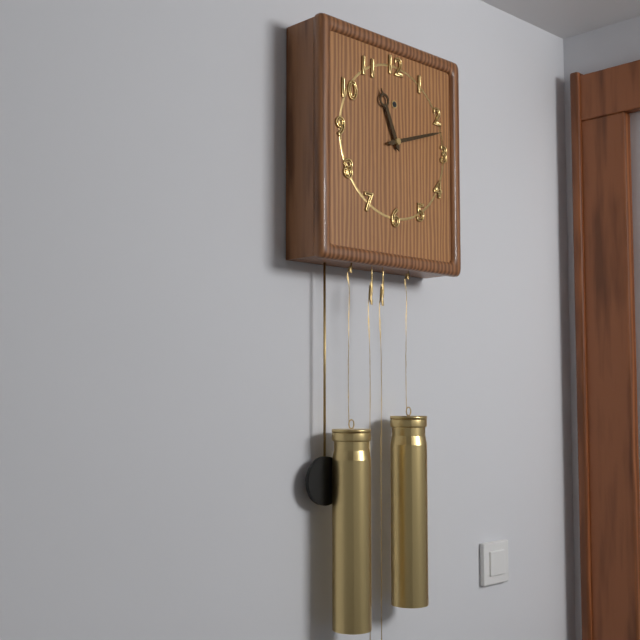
11.12
